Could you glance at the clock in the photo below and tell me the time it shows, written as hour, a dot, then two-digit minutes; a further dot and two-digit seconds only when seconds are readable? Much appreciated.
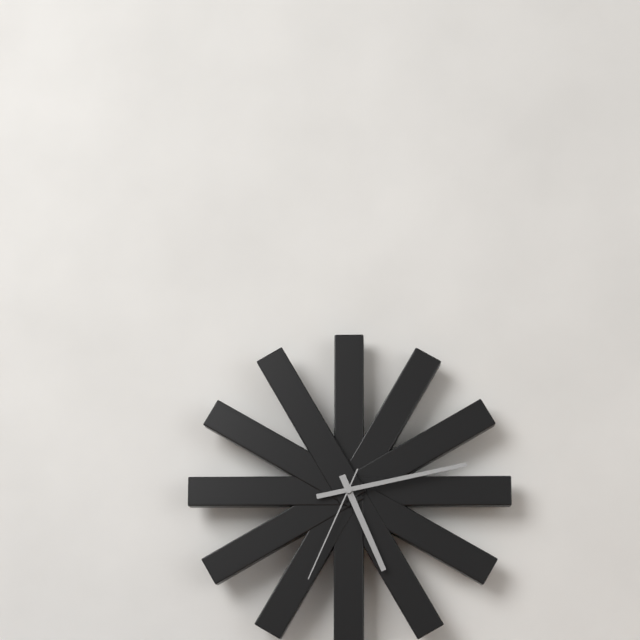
5.13.34
